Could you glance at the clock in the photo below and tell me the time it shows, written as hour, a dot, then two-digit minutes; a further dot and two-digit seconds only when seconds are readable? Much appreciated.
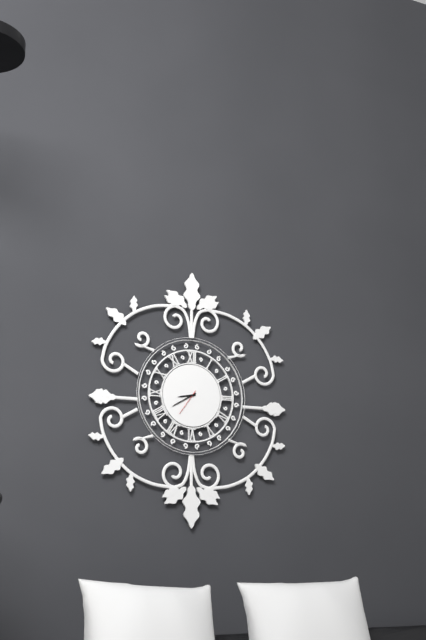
8.40
